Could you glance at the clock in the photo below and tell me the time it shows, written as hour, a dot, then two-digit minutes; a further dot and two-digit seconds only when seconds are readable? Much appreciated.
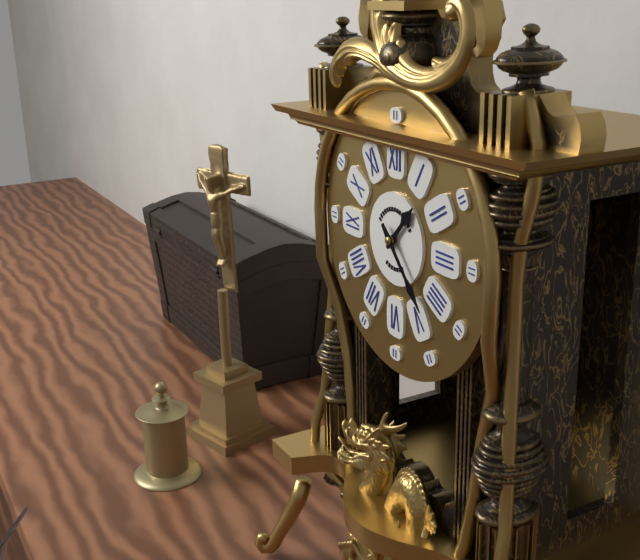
1.23
